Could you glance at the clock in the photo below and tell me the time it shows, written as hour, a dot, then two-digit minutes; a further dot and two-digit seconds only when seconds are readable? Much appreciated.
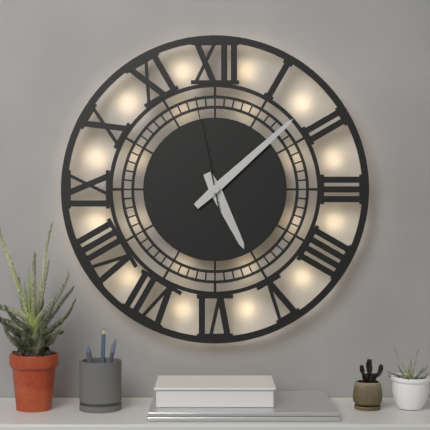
5.08.58
